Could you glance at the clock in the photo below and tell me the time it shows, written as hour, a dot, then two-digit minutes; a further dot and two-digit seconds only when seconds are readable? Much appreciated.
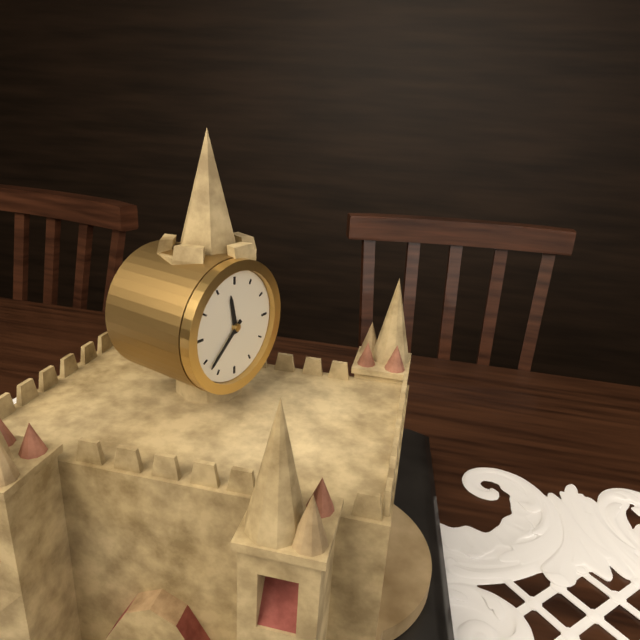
11.38
